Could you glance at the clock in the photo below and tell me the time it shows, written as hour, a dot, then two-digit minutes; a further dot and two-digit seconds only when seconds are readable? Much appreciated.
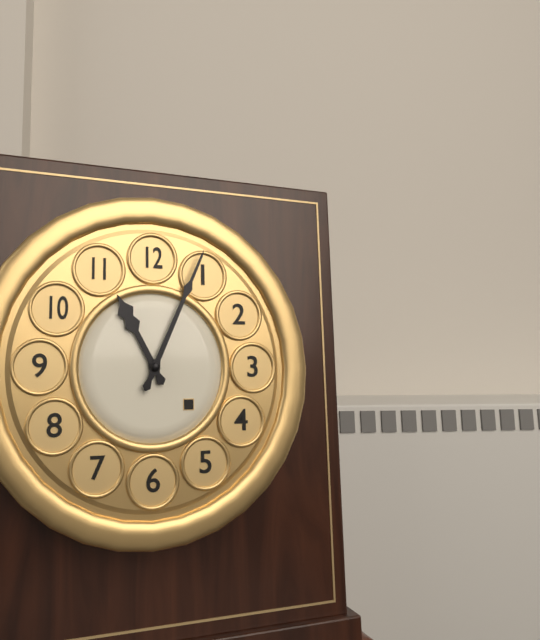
11.04
